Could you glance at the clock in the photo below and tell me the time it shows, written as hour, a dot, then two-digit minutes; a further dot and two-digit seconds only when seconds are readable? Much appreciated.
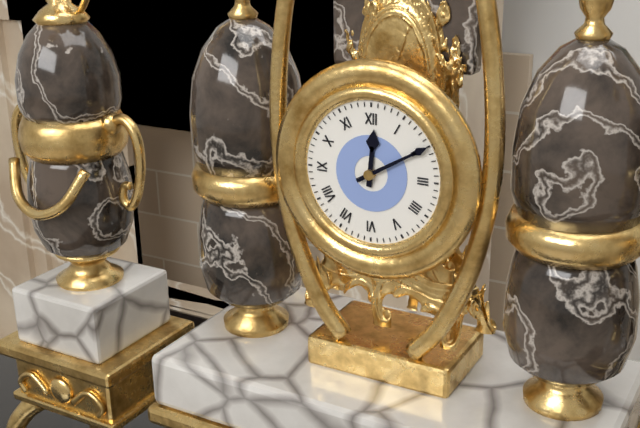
12.10
